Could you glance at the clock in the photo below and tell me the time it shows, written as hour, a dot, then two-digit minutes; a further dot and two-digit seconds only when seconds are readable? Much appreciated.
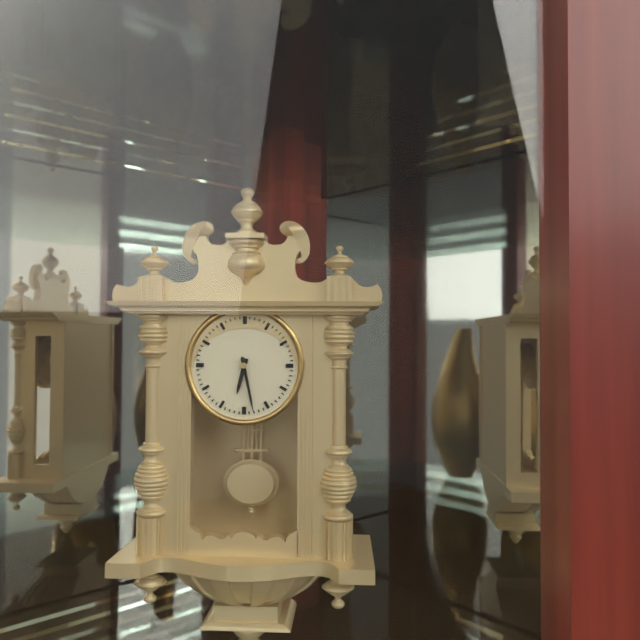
6.28
